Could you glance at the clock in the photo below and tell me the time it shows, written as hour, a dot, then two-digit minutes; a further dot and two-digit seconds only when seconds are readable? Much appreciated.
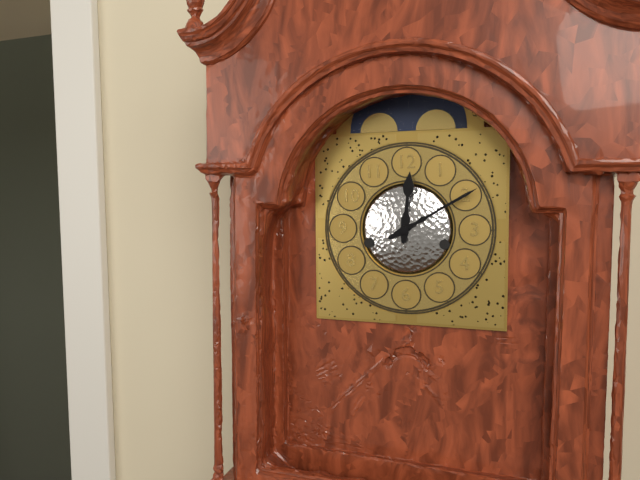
12.10
